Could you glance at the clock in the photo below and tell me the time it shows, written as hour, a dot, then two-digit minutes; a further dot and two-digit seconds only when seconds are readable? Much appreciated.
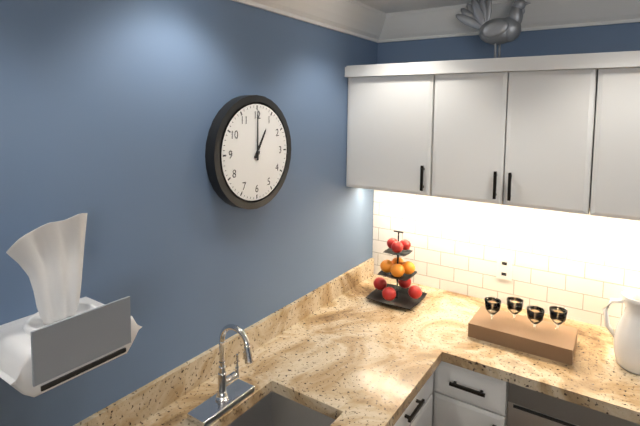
1.00
